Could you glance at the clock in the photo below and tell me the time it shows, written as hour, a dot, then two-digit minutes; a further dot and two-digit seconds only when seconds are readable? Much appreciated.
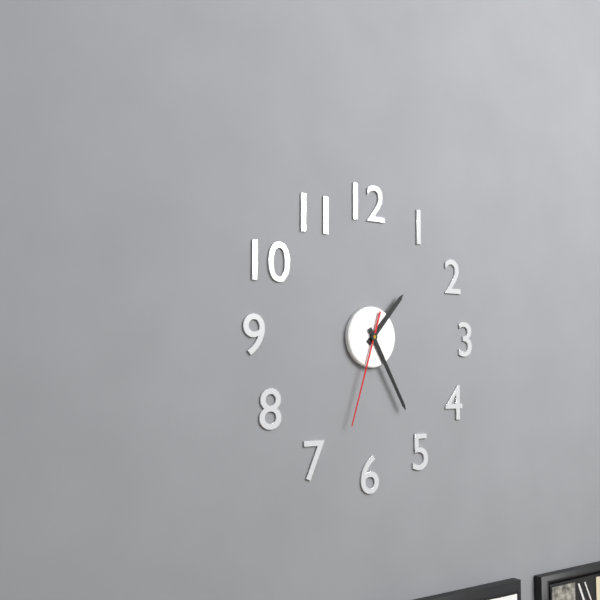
1.25.33
